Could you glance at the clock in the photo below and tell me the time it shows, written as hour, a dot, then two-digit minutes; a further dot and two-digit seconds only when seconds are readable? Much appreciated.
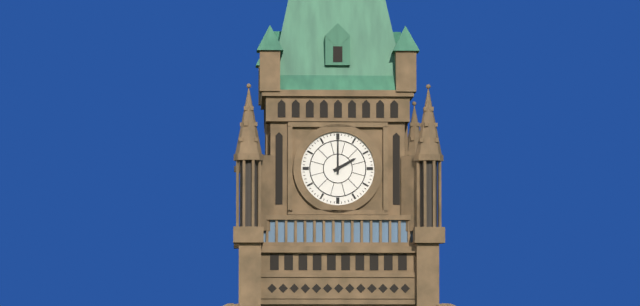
2.00
